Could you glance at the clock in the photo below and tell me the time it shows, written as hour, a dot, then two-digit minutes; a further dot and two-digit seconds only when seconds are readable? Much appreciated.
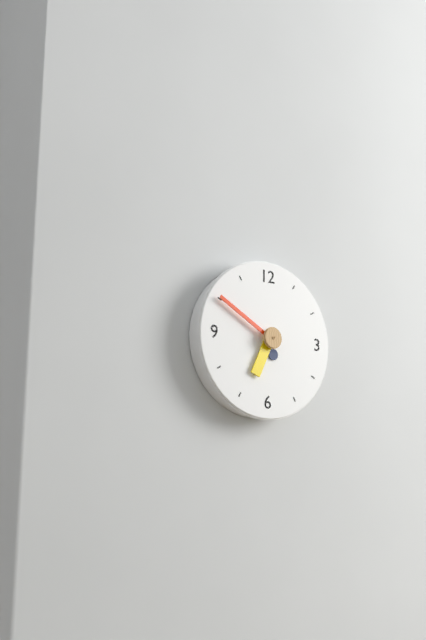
6.50
